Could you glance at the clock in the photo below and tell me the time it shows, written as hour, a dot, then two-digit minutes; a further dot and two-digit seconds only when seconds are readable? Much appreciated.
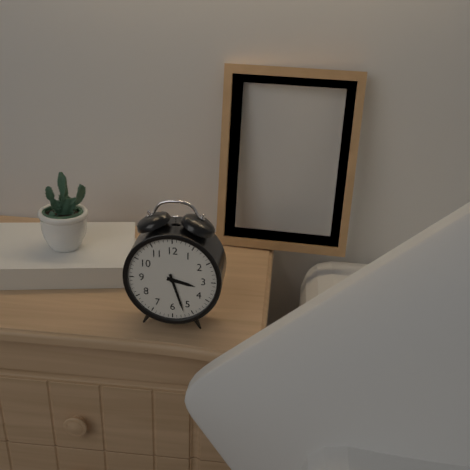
3.27
